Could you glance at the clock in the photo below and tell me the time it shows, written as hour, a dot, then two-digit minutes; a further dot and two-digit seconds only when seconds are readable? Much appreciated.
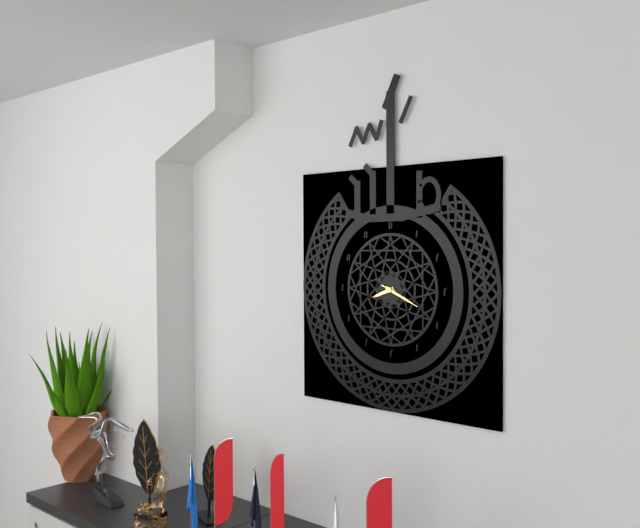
8.19
